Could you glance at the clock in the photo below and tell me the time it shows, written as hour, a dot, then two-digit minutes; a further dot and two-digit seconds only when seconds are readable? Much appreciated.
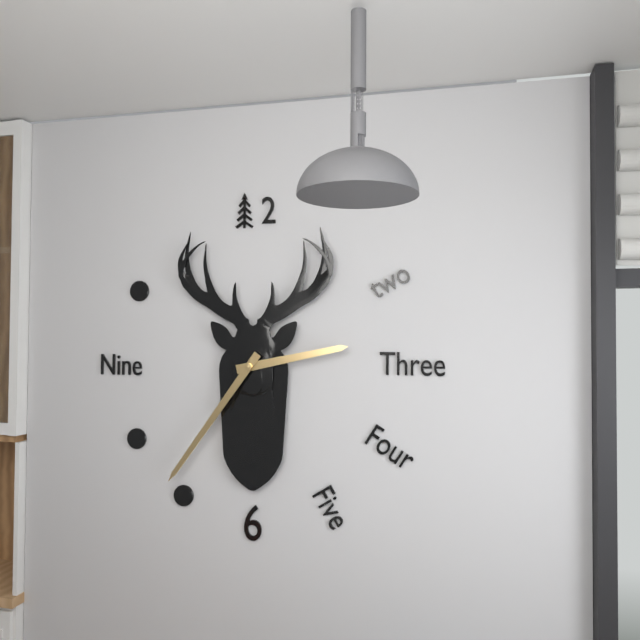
2.36
